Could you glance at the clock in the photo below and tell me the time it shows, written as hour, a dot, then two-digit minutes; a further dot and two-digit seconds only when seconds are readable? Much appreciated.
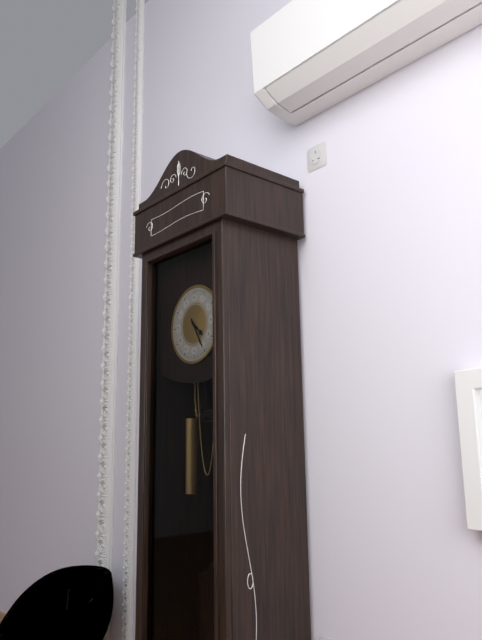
4.25
